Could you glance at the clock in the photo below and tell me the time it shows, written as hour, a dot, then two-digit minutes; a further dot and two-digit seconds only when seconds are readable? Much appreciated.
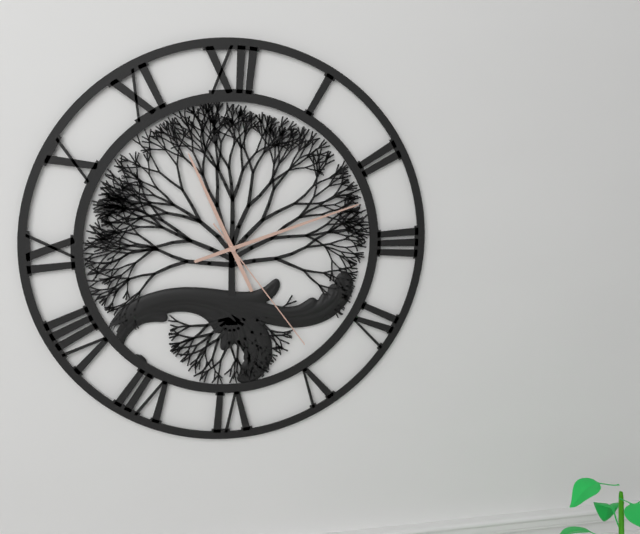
11.12.24
